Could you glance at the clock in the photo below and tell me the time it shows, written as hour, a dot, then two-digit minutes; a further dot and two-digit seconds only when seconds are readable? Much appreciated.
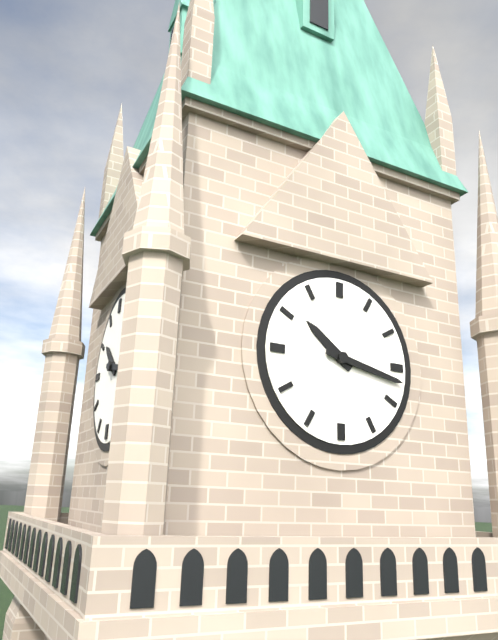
10.17
